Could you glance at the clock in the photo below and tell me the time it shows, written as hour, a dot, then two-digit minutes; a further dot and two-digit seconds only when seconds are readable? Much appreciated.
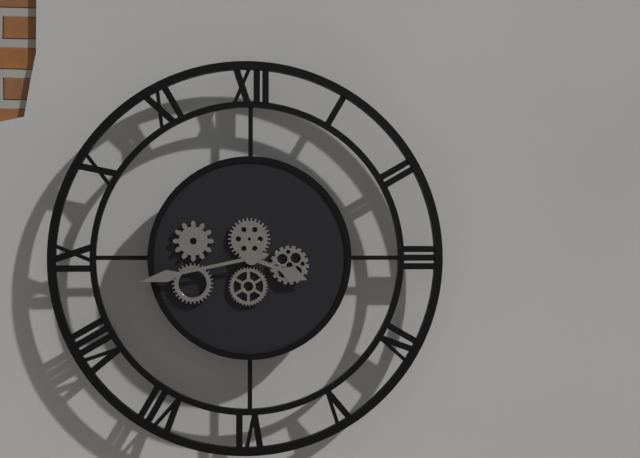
3.43
